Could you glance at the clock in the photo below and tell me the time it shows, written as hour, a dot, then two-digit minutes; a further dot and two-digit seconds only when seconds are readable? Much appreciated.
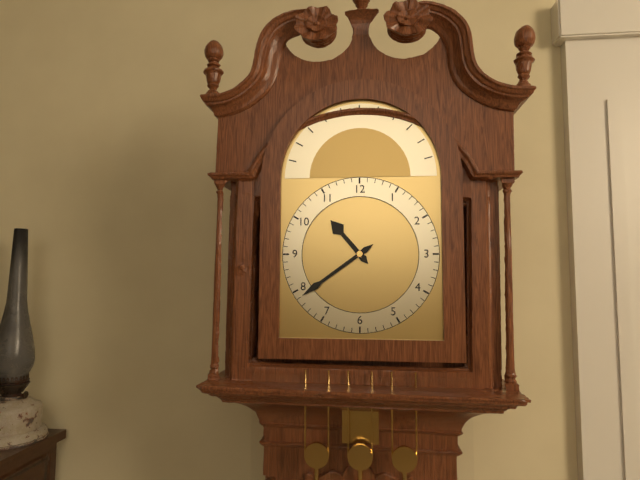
10.39
